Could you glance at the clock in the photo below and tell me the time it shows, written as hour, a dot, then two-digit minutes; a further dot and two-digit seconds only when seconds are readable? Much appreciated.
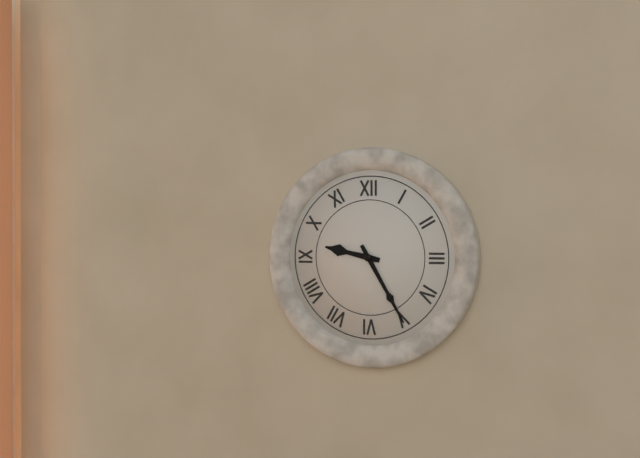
9.25
